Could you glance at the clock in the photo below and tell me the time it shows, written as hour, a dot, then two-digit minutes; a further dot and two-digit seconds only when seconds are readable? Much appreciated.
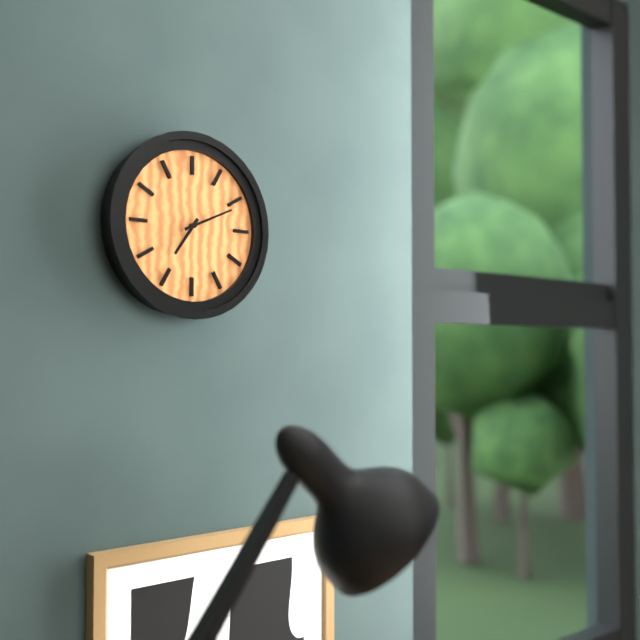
7.11
